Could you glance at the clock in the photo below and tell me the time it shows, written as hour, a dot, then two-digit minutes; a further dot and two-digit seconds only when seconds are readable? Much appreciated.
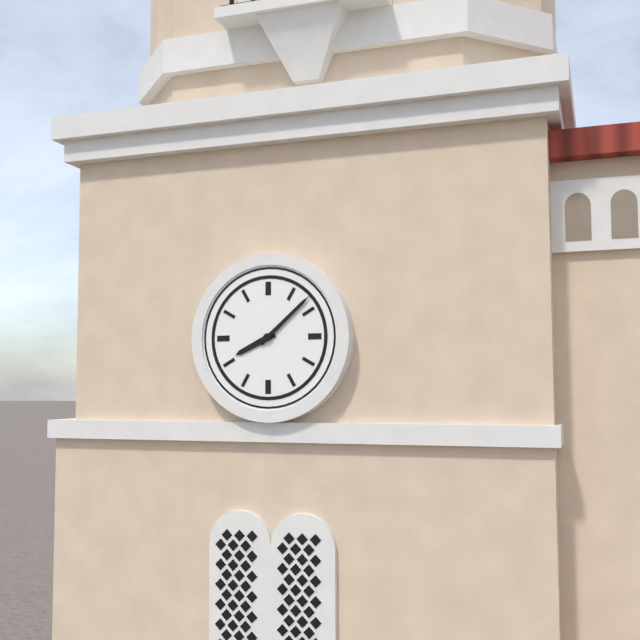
8.08
